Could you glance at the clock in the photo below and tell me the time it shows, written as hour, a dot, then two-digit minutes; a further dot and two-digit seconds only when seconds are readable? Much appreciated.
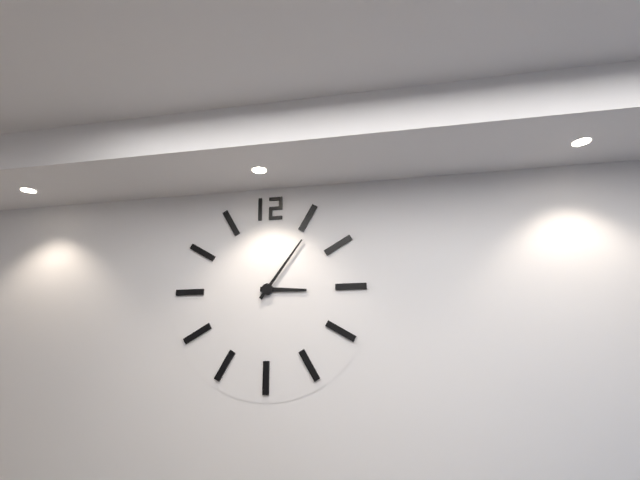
3.06
